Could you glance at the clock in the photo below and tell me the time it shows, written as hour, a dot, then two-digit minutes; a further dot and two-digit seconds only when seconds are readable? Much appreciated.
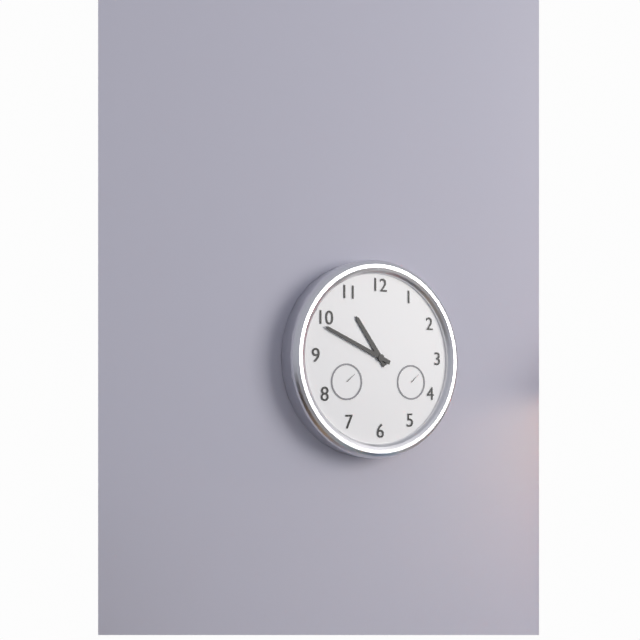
10.49
